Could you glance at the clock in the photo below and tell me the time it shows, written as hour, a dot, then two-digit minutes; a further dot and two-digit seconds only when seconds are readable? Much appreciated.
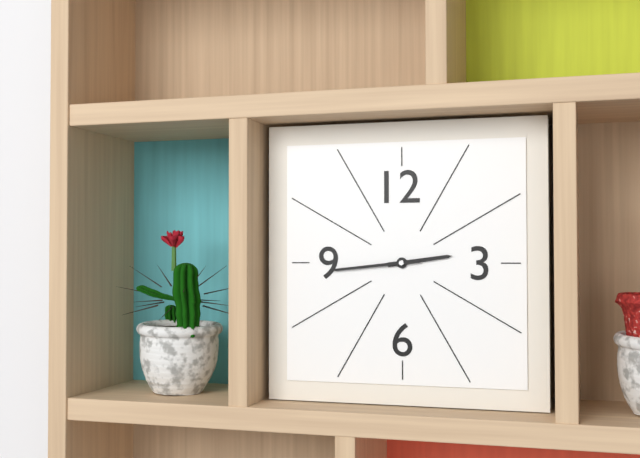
2.44
